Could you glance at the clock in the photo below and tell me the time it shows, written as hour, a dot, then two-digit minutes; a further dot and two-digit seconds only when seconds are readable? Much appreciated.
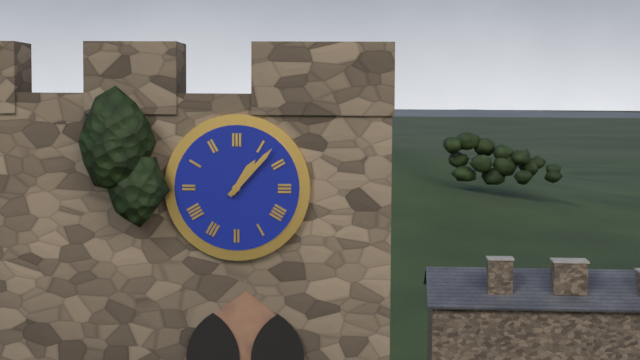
1.07
